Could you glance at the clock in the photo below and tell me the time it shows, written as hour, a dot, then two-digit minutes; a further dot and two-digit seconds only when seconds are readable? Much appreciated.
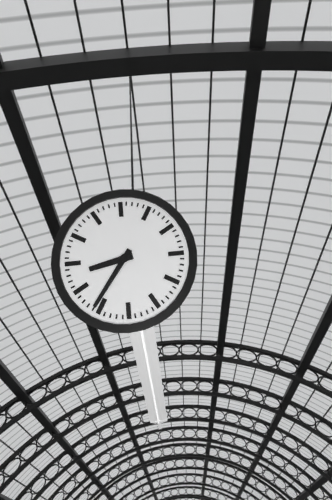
8.36
